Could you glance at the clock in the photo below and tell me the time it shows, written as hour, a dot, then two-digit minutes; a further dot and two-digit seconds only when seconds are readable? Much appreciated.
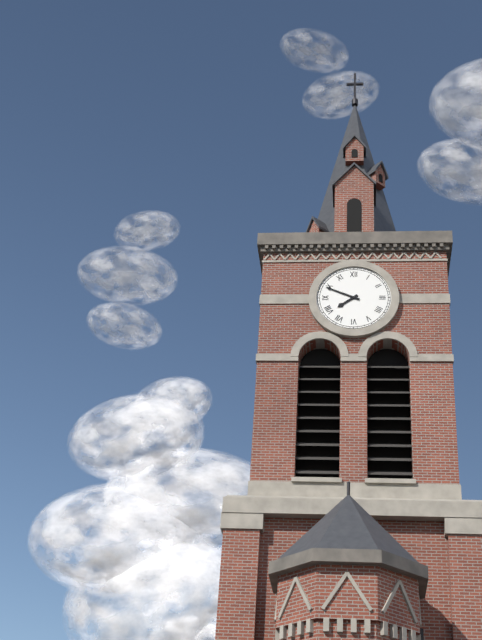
7.49
